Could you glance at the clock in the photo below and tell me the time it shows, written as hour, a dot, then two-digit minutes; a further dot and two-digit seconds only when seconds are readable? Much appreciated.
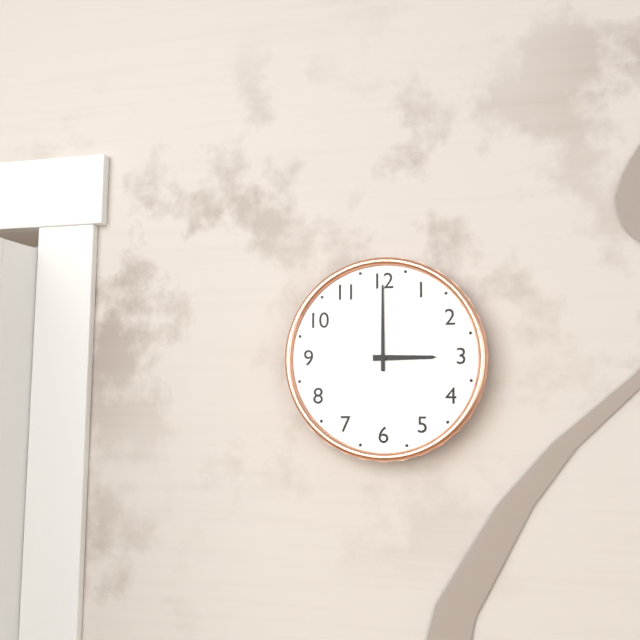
3.00
